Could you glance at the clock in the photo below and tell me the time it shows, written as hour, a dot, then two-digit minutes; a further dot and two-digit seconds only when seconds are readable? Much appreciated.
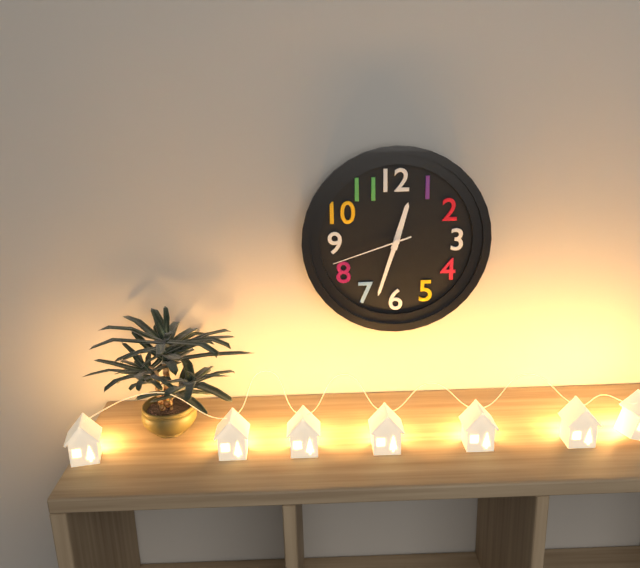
12.33.42
